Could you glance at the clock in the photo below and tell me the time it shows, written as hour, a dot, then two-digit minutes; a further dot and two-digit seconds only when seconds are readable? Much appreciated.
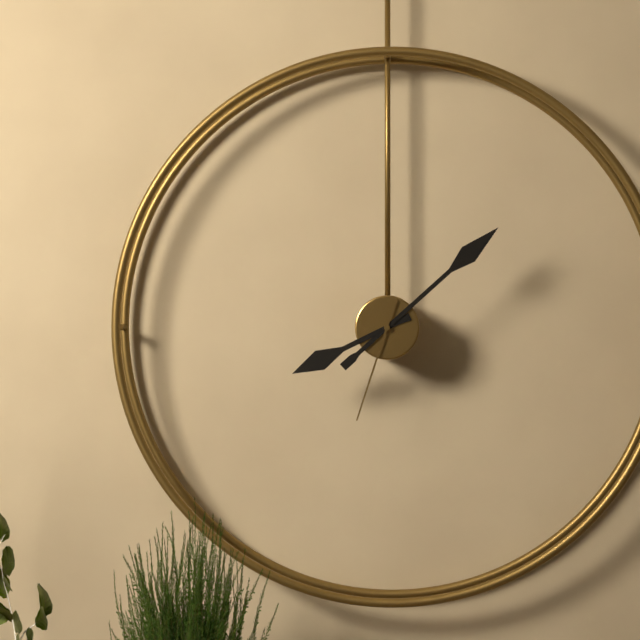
8.08.33
